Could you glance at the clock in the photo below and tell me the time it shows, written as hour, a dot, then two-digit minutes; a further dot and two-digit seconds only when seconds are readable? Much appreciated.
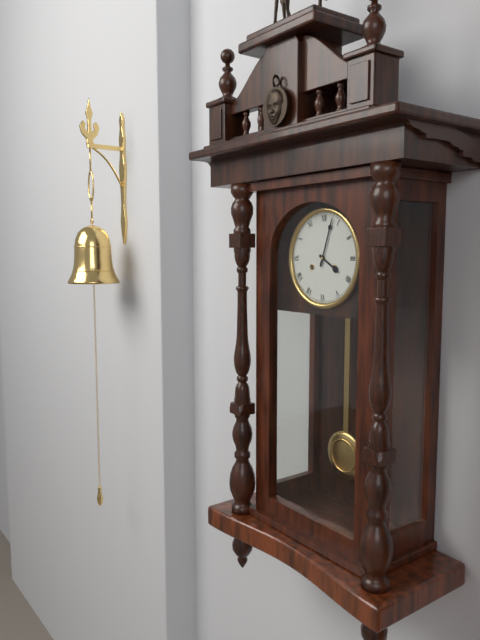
4.03
